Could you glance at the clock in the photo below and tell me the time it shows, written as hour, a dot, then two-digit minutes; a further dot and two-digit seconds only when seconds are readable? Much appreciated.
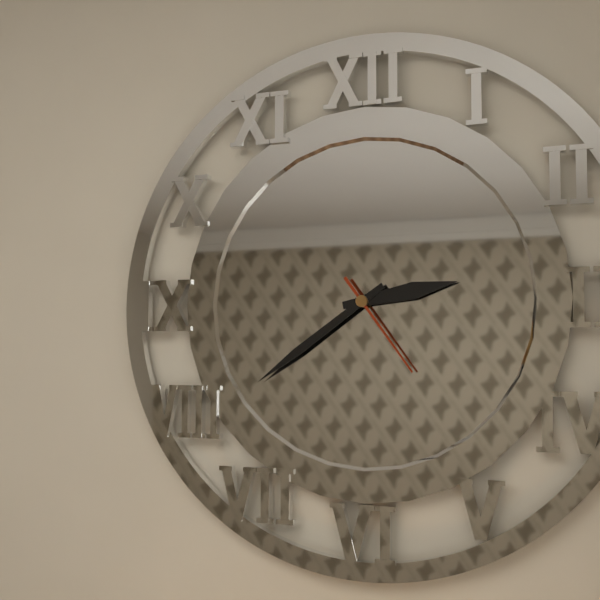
2.39.24
